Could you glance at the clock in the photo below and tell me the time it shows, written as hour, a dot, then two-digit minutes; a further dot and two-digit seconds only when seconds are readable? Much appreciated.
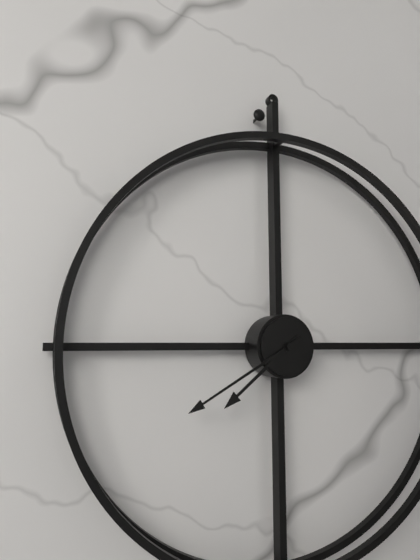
7.40
